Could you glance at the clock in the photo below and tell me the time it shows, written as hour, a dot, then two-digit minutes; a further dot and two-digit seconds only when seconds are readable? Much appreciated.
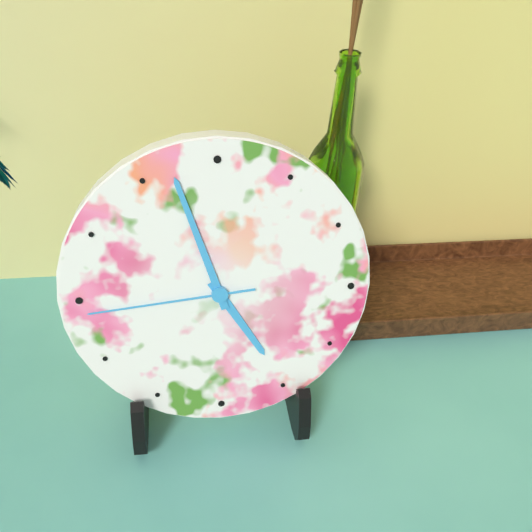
4.57.44
